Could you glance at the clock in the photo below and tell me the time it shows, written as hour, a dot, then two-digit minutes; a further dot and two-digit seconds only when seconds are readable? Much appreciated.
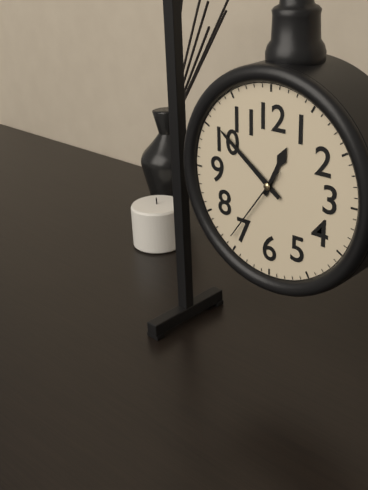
12.51.36
